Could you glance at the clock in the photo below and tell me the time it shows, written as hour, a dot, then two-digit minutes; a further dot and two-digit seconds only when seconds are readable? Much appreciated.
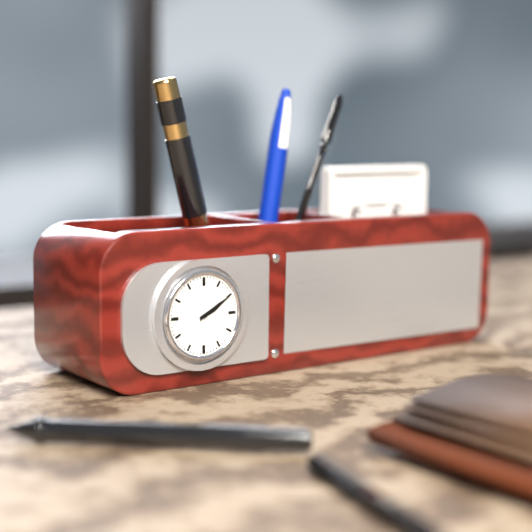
2.10
